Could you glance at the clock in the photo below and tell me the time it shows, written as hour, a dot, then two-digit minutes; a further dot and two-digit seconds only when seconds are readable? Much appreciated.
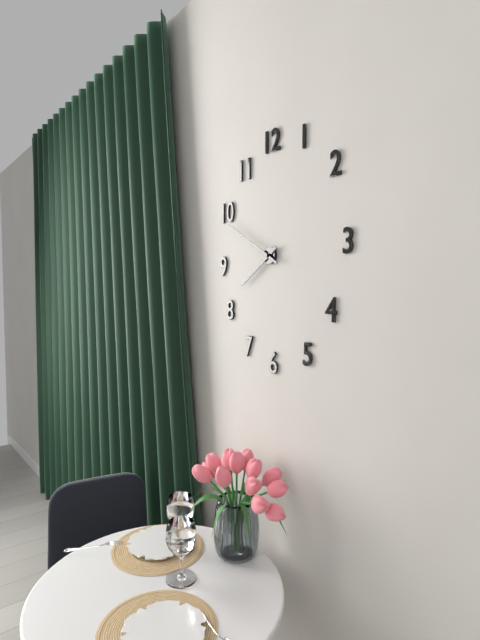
7.50
